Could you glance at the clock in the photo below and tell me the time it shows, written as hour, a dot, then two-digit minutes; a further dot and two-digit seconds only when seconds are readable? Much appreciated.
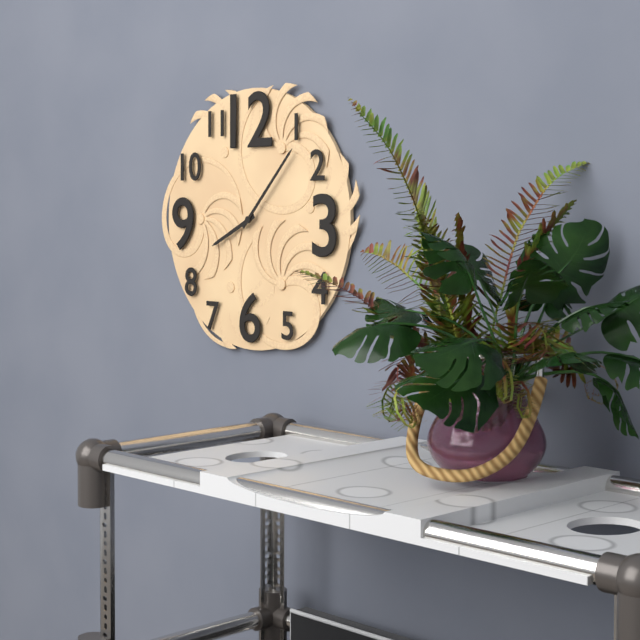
8.07
